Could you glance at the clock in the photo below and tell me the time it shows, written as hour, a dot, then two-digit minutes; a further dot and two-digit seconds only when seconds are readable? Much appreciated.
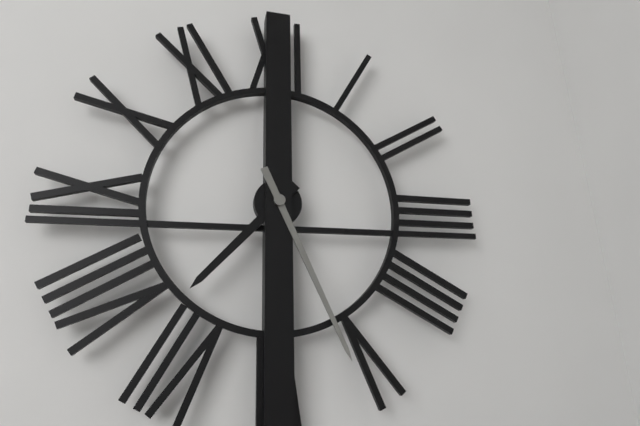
7.26
